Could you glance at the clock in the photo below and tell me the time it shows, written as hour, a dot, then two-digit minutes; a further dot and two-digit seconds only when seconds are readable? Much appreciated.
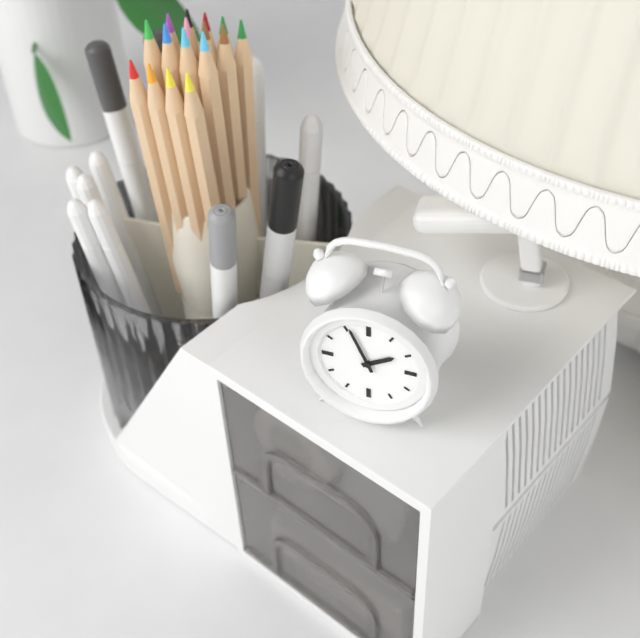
1.56
